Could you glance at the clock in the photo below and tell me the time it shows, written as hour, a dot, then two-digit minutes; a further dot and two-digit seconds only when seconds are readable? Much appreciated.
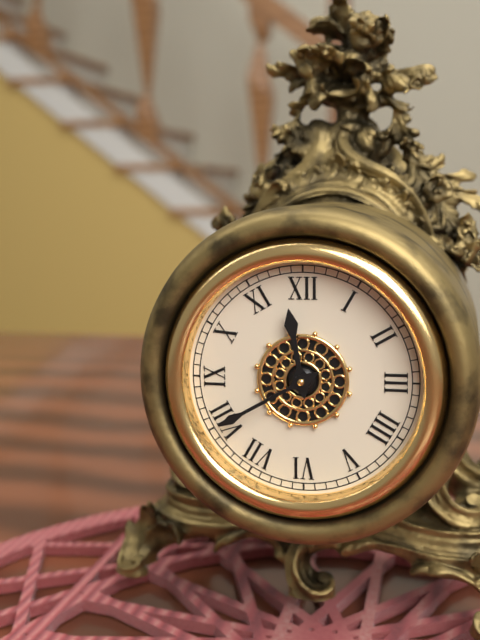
11.40
